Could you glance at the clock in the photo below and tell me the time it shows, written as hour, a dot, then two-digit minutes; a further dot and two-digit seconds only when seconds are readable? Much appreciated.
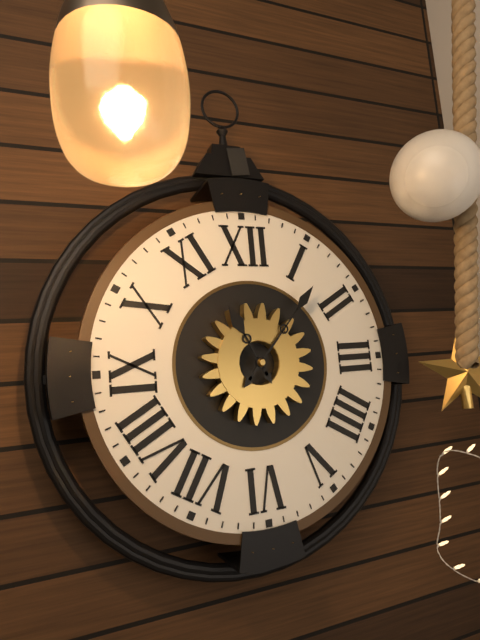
11.07
